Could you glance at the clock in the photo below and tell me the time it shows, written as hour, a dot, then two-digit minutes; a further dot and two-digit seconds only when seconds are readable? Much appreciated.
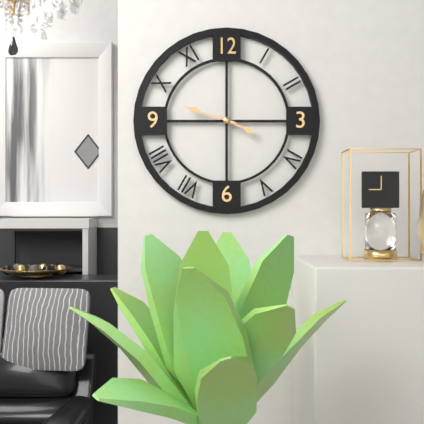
3.48
